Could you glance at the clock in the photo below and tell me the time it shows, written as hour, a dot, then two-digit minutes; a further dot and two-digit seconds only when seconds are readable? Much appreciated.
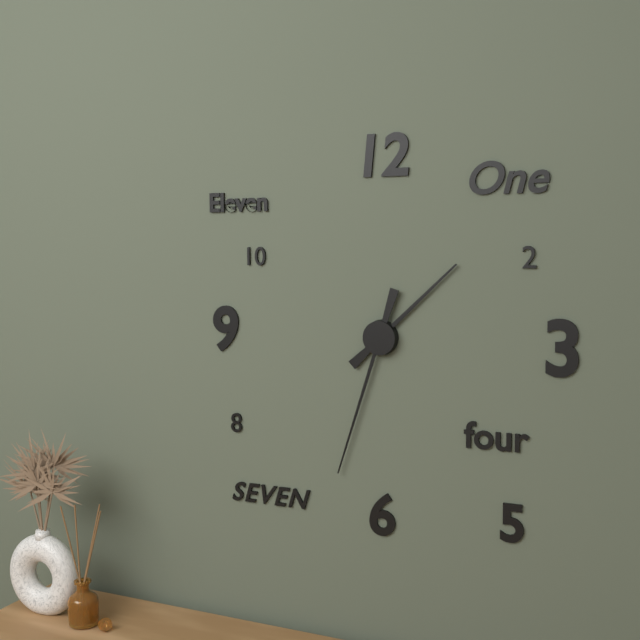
1.33
